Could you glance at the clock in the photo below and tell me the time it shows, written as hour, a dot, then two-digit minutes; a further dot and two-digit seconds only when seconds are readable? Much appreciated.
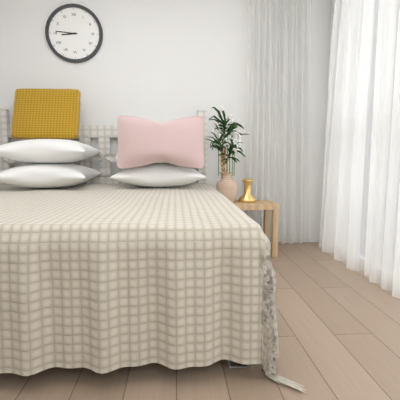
8.46
